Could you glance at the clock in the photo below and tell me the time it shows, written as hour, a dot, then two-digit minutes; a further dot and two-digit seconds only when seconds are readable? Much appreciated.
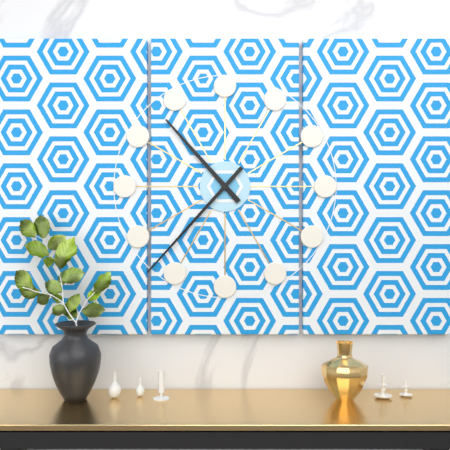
10.37
